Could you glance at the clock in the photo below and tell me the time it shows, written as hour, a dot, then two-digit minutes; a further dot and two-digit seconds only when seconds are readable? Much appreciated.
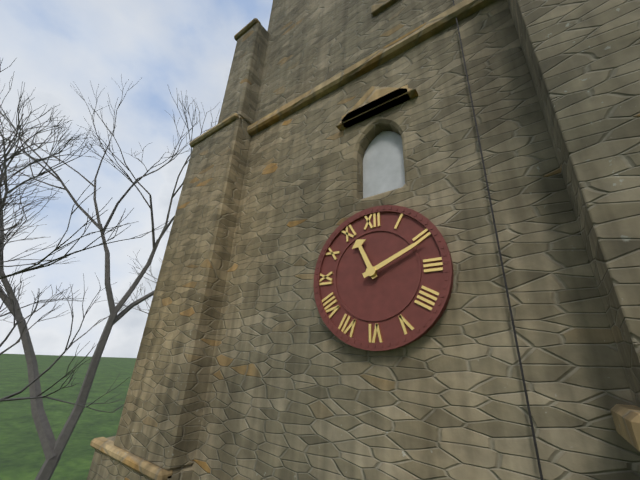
11.11
